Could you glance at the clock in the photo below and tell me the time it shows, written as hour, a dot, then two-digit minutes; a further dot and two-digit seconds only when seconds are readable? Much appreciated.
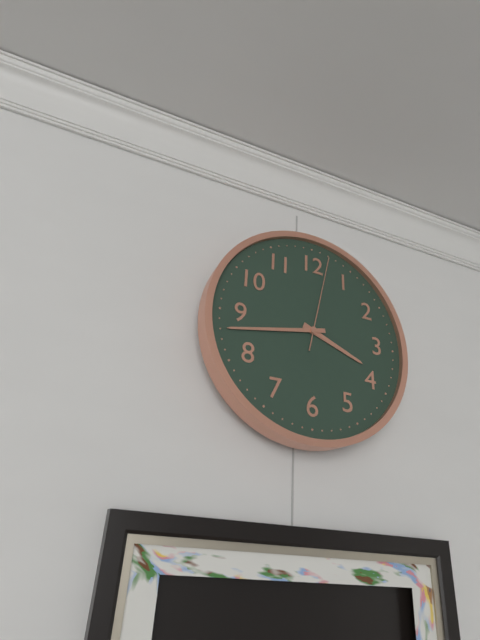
3.43.02
